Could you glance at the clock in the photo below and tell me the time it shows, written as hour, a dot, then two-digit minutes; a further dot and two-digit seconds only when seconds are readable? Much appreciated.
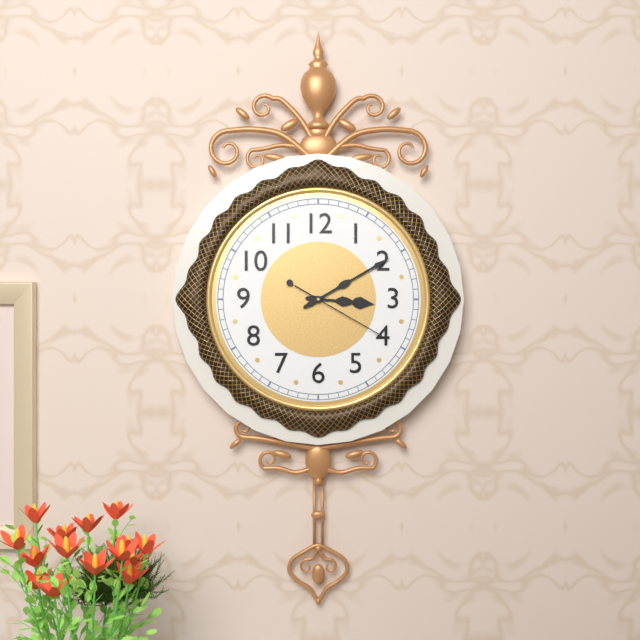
3.10.20
